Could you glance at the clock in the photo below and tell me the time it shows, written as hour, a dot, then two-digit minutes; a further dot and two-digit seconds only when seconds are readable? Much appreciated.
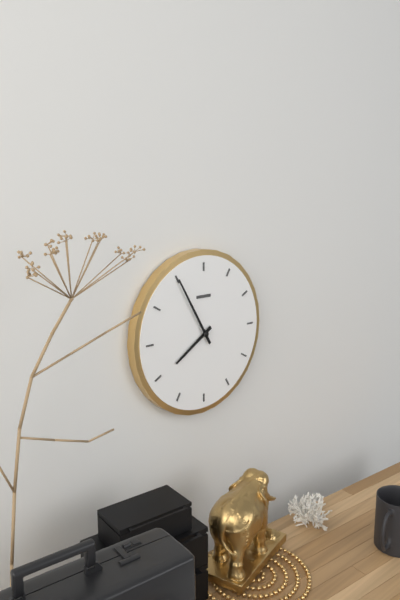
7.55
